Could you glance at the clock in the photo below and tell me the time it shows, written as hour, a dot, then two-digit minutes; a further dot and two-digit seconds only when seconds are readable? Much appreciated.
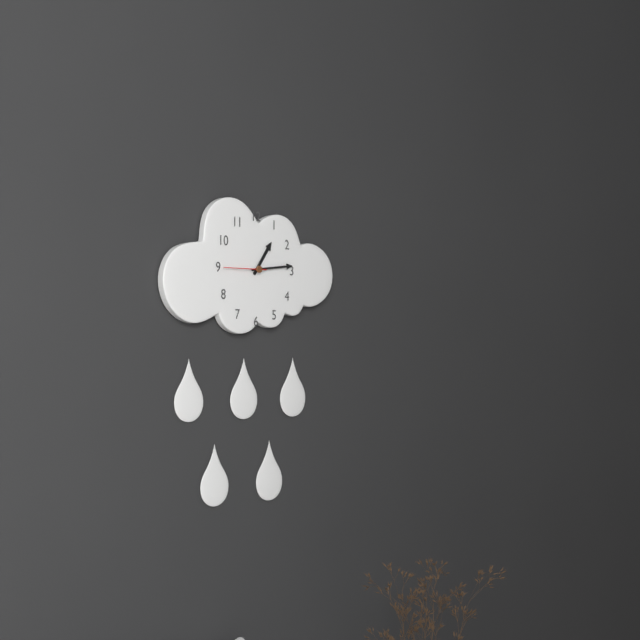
1.14
